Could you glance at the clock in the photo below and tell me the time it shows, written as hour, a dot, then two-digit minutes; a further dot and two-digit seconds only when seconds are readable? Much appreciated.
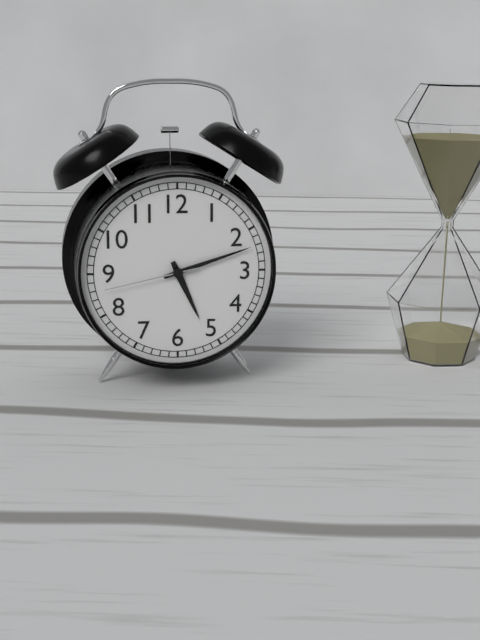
5.12.43
